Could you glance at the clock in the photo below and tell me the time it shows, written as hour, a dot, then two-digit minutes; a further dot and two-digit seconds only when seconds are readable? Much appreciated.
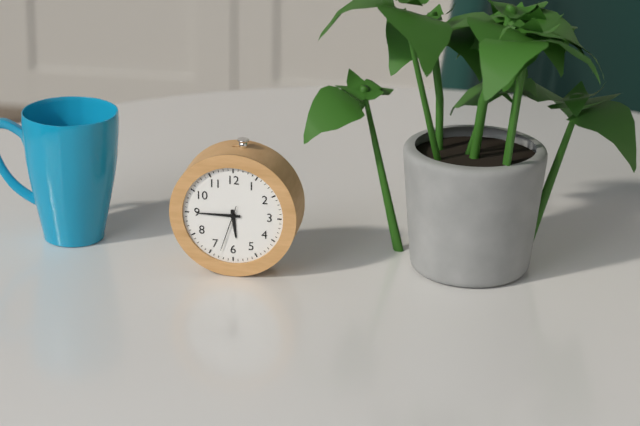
5.45
